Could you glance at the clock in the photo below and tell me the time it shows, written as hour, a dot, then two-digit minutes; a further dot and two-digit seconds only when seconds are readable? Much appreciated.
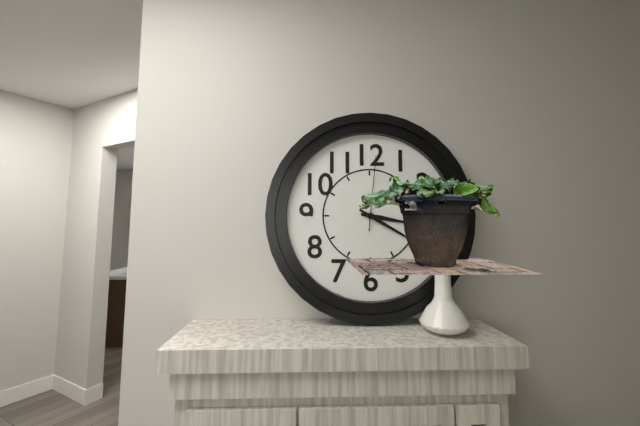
3.20.01
